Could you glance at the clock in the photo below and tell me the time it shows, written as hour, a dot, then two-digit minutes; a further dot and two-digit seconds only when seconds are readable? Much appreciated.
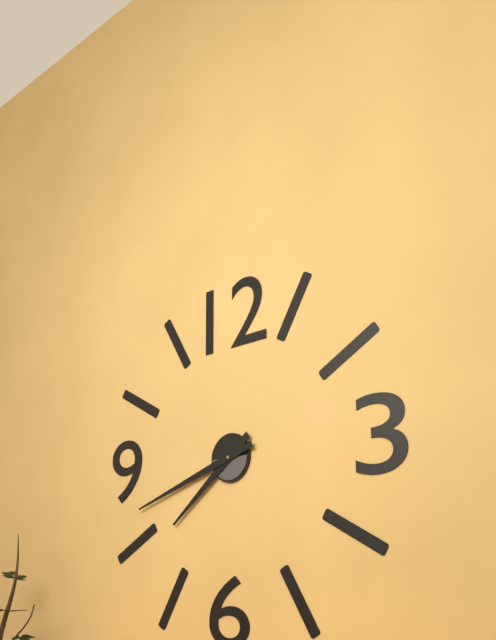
7.42
